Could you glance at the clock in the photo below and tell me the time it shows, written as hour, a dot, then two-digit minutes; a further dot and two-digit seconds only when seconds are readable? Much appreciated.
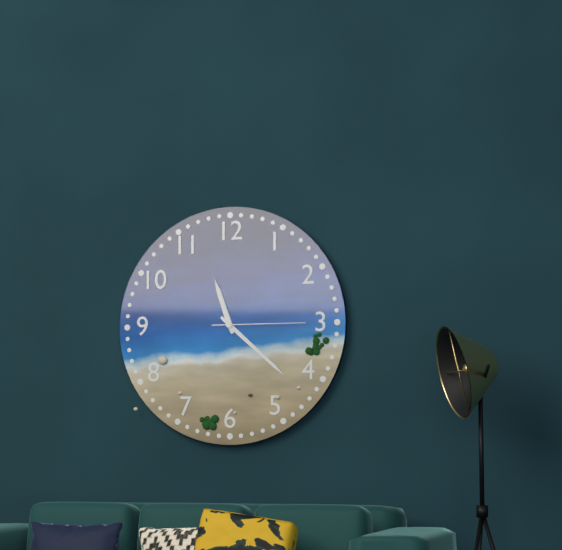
11.22.15
